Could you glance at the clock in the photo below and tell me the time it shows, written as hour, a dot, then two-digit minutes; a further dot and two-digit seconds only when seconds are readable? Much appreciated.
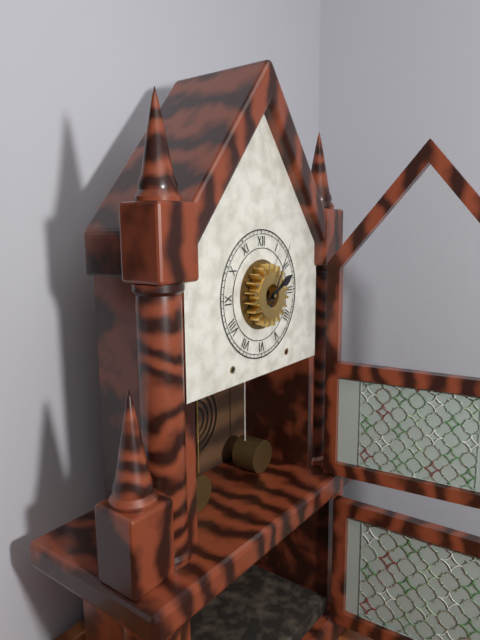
2.05
